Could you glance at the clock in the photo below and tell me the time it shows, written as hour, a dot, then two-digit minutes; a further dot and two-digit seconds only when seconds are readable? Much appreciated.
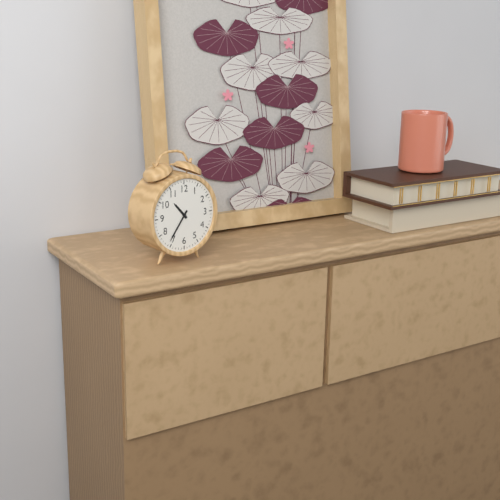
10.36
